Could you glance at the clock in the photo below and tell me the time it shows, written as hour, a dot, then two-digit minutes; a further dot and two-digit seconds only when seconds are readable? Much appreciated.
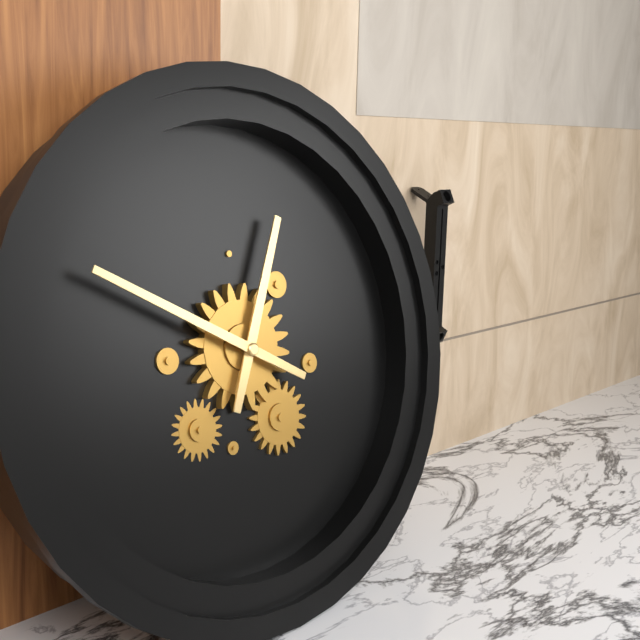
12.50
